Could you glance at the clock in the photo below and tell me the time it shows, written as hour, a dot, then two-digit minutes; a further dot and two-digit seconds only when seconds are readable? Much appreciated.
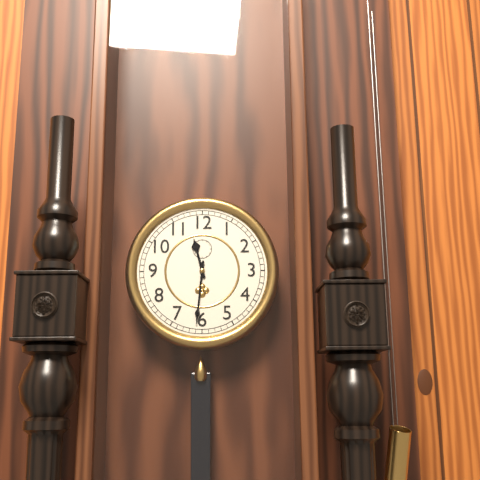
11.31
